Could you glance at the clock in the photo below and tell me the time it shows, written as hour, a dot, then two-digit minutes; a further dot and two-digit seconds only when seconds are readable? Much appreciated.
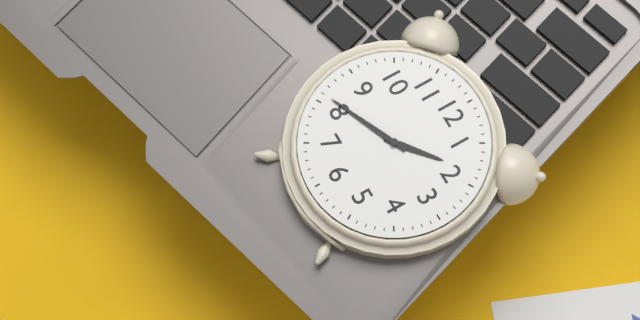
1.41
